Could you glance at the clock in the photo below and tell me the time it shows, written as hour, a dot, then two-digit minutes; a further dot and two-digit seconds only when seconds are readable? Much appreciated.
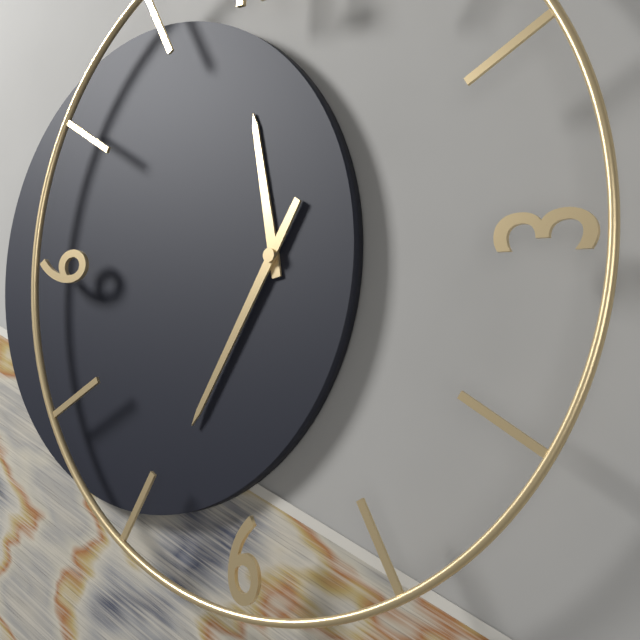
11.35
